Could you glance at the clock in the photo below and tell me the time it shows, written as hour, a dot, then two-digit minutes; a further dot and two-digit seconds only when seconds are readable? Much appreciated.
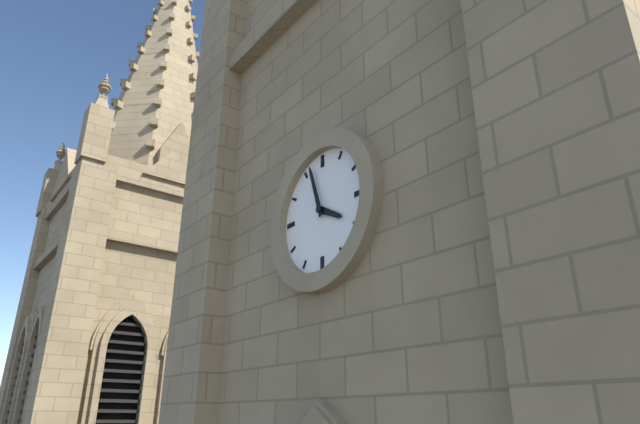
3.57
